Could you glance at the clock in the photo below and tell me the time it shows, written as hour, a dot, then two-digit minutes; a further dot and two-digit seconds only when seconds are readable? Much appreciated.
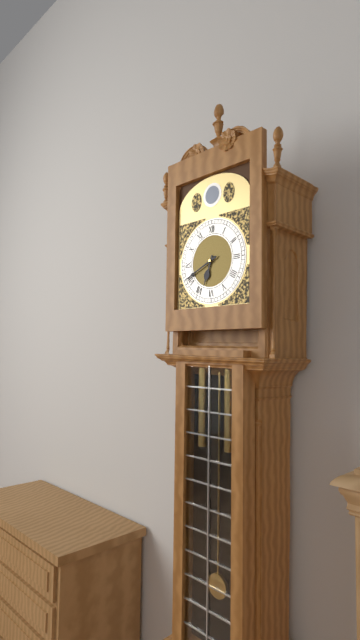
6.41
